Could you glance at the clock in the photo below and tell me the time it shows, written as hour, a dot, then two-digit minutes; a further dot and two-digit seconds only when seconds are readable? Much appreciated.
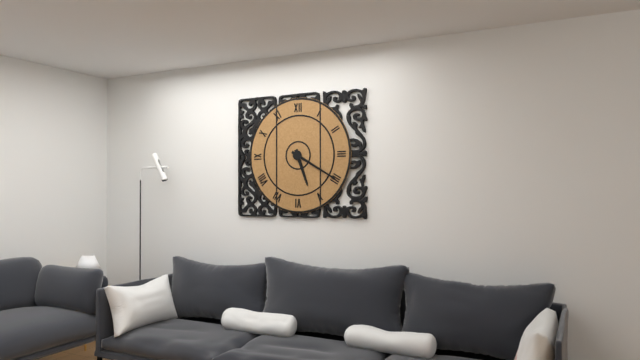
5.20
